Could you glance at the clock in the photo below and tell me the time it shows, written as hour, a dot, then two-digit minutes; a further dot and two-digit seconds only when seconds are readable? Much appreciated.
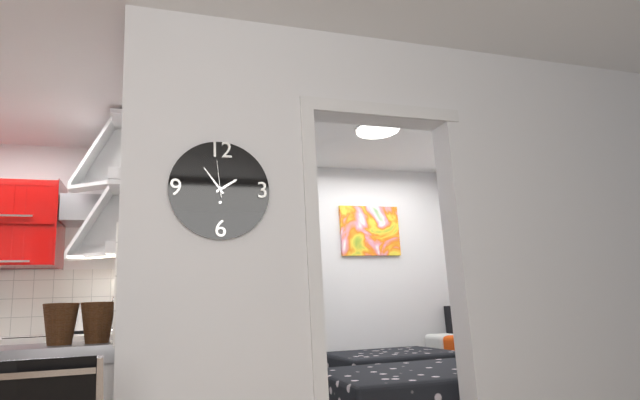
1.54
